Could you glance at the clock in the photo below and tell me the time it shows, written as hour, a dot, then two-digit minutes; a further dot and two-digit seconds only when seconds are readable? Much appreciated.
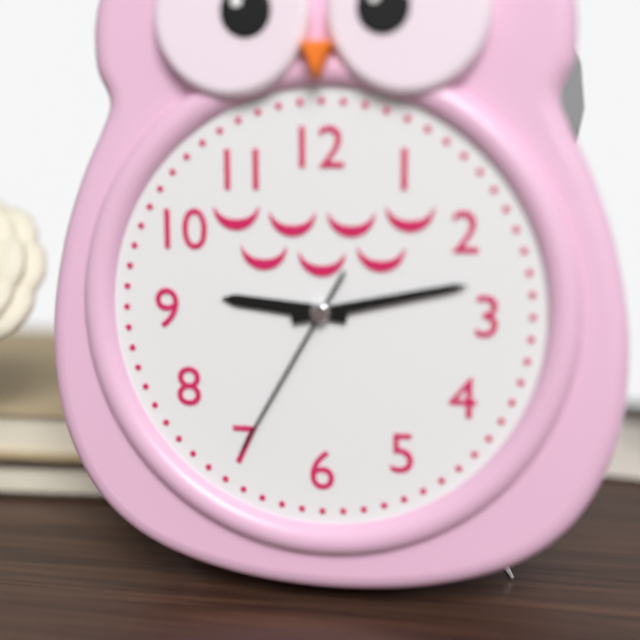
9.13.35
